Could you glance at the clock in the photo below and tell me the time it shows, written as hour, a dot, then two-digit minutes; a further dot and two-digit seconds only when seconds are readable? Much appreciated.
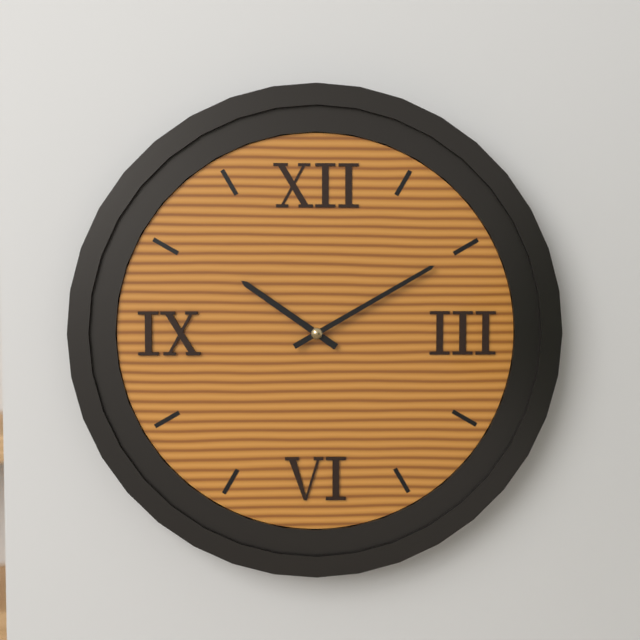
10.10
